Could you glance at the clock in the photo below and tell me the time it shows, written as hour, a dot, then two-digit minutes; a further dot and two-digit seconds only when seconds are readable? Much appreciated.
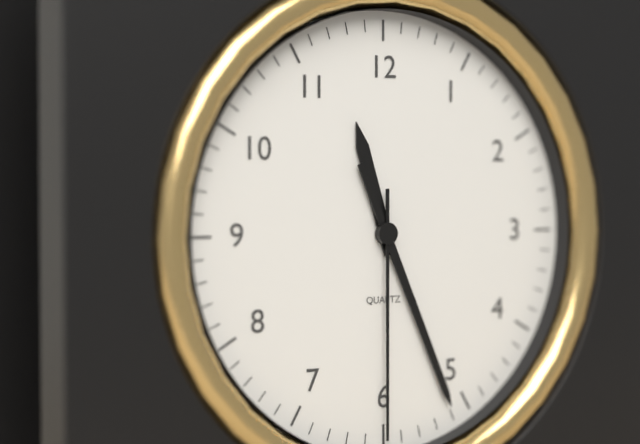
11.26.30
